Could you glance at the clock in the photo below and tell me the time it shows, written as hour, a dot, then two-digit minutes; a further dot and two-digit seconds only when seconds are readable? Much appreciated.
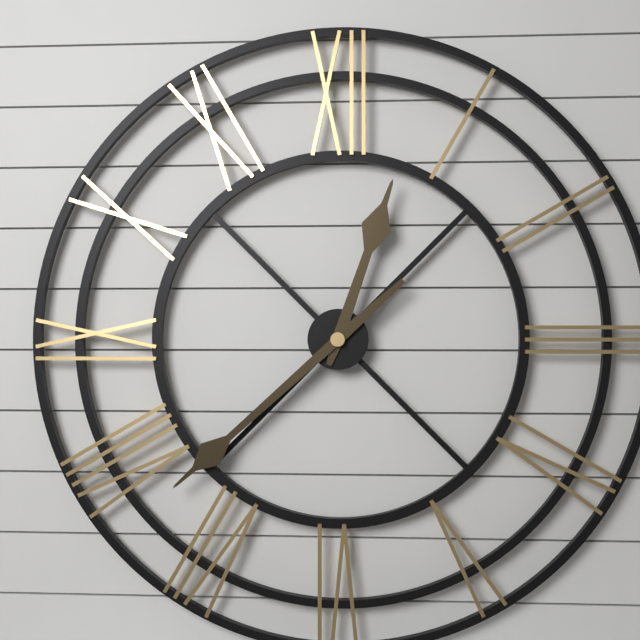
12.38
